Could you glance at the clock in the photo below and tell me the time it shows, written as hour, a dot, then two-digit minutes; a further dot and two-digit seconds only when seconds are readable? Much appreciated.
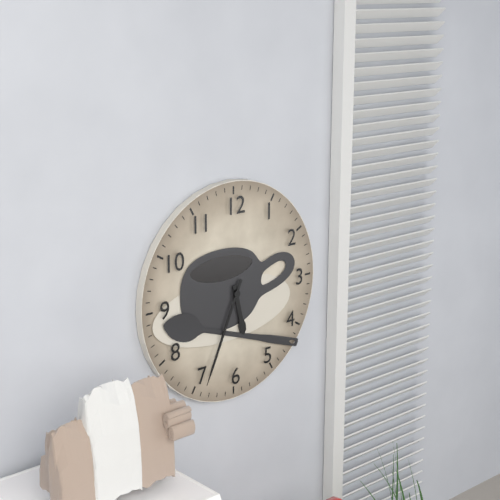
5.34
